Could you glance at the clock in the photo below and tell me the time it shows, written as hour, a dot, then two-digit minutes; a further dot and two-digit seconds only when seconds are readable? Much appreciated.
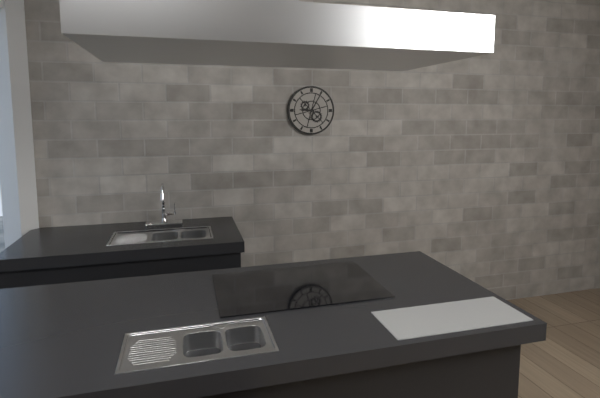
9.05
